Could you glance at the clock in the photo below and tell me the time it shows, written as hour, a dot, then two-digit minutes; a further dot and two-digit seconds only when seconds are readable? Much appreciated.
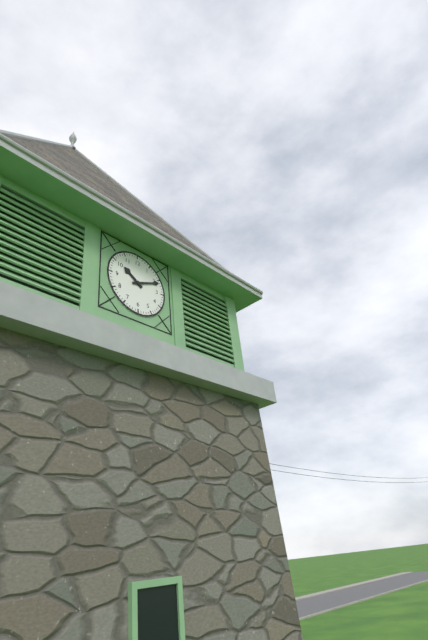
10.11
